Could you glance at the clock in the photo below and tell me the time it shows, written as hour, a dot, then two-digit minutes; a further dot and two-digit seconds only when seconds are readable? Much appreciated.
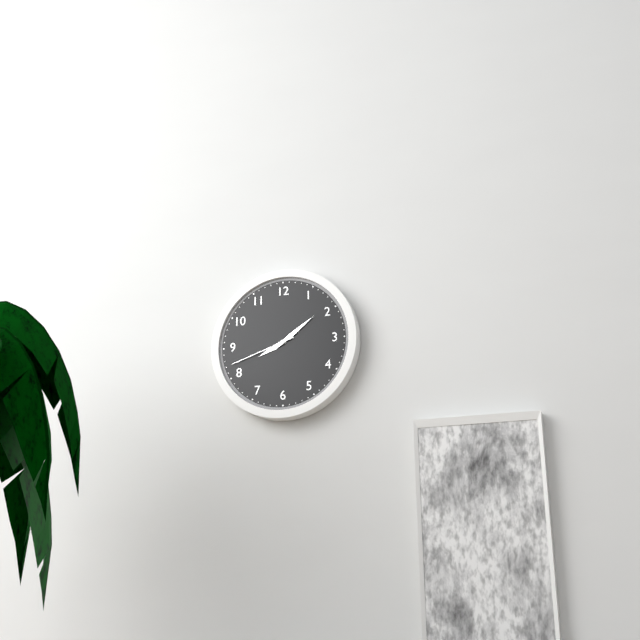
8.09.42
